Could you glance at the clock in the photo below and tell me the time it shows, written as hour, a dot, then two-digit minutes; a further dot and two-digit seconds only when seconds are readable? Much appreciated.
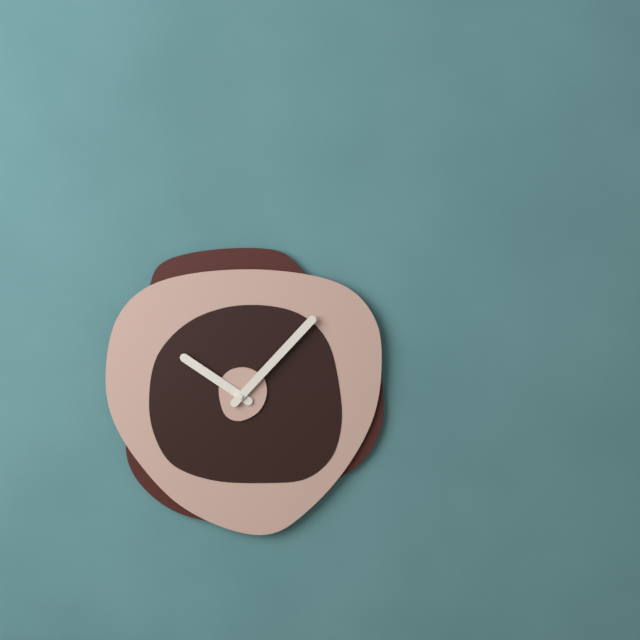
10.07
